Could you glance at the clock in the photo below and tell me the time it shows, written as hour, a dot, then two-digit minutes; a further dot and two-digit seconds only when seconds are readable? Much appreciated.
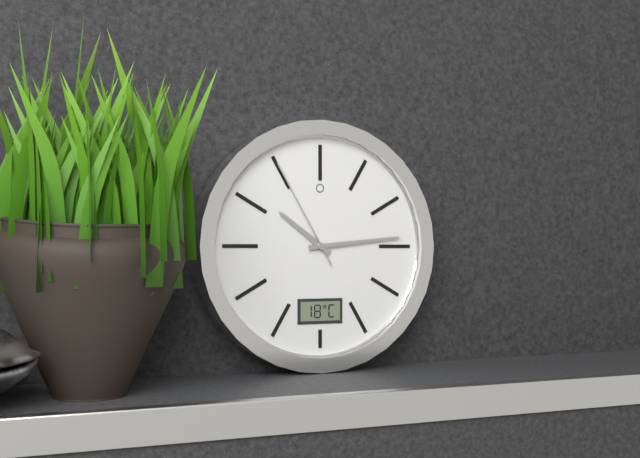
10.14.55
